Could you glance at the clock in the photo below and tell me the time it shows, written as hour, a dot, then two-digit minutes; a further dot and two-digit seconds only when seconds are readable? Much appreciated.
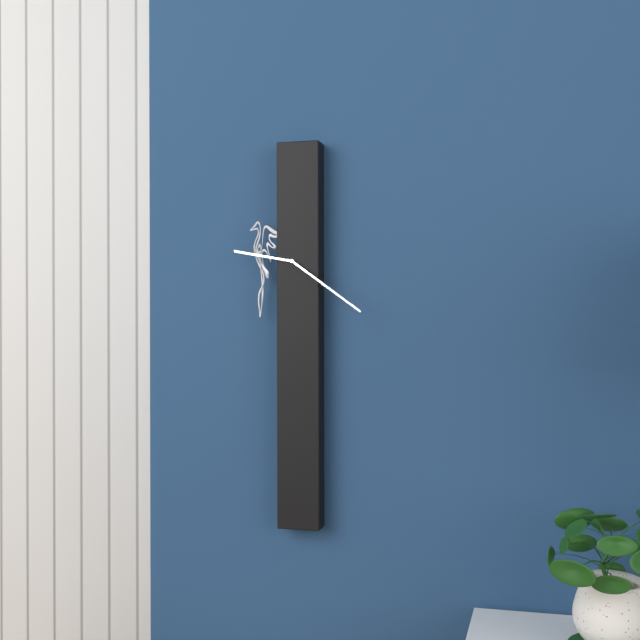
9.21
